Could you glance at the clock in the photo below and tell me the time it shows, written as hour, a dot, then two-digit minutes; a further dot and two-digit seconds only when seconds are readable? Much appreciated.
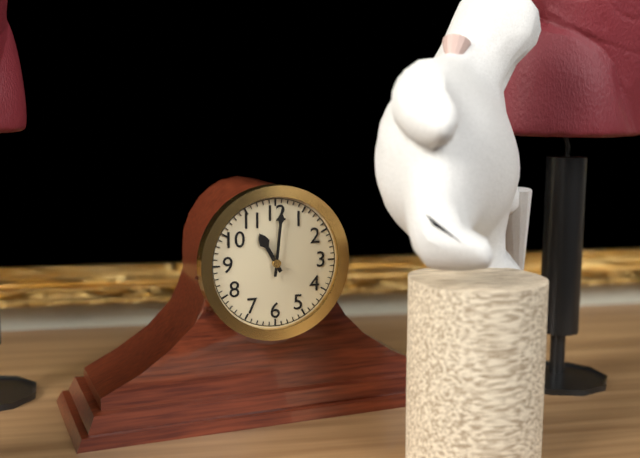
11.01
